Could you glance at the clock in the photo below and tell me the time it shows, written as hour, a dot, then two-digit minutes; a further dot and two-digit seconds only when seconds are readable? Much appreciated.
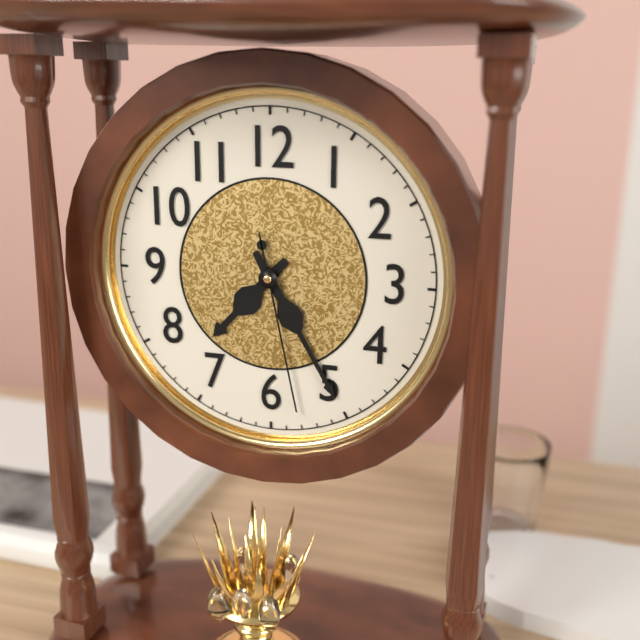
7.25.28
